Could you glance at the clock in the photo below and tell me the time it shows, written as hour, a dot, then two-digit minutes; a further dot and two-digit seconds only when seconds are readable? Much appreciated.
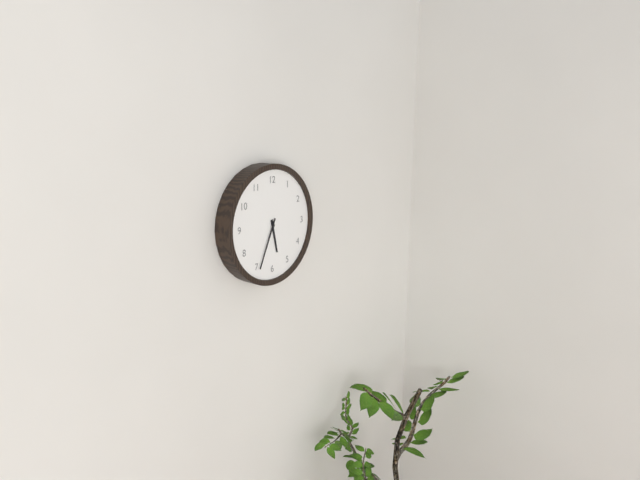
5.34
